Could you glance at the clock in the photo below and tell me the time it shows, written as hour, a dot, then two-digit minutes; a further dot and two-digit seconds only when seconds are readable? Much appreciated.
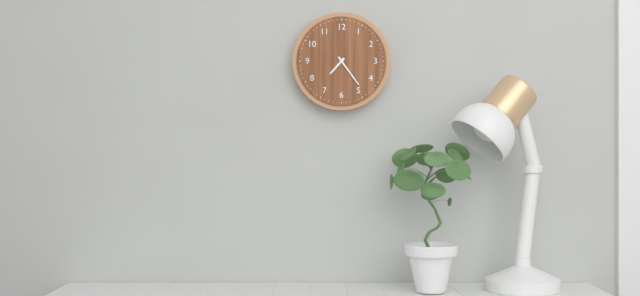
7.24
